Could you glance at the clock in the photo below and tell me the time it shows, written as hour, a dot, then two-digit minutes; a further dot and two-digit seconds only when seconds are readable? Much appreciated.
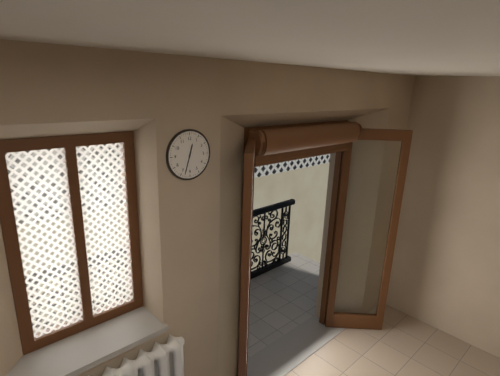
12.33
